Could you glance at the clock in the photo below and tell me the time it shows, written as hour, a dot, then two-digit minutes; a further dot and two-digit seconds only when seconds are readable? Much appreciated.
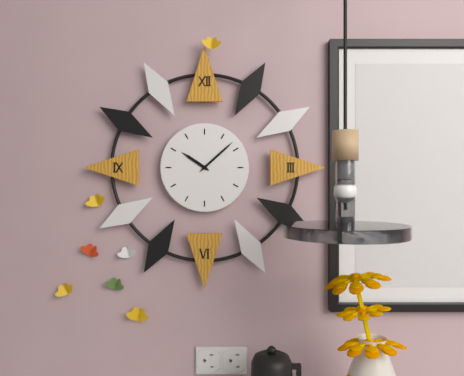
10.08
